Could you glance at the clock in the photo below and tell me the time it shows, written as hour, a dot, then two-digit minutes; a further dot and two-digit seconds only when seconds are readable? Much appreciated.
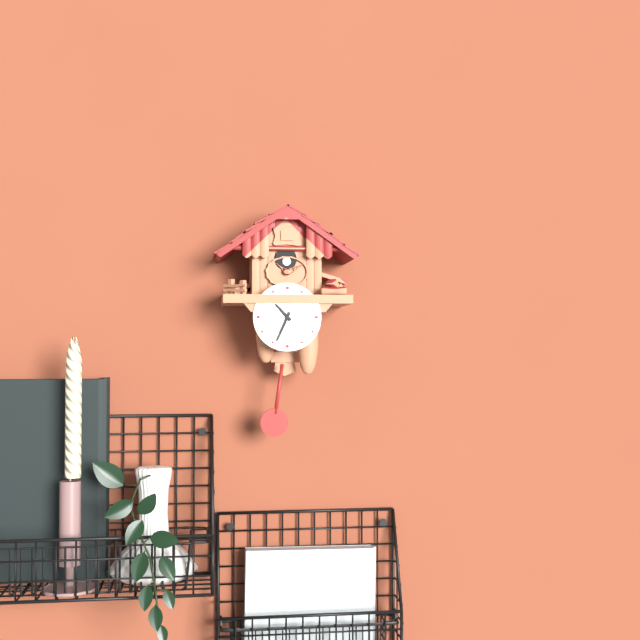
10.34
